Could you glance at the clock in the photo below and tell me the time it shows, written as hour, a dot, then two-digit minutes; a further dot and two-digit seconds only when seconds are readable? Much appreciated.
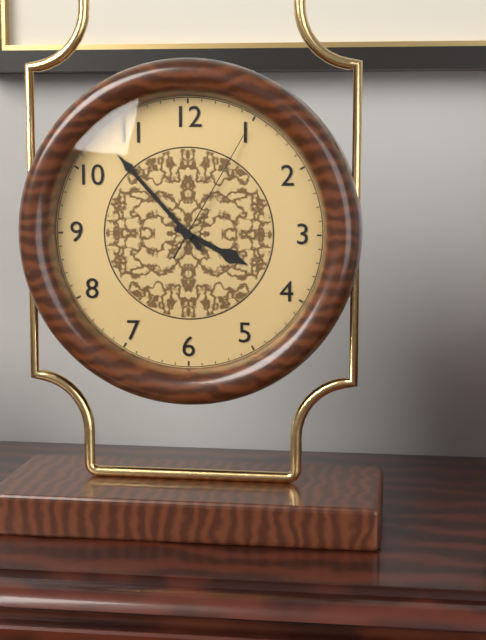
3.53.05
